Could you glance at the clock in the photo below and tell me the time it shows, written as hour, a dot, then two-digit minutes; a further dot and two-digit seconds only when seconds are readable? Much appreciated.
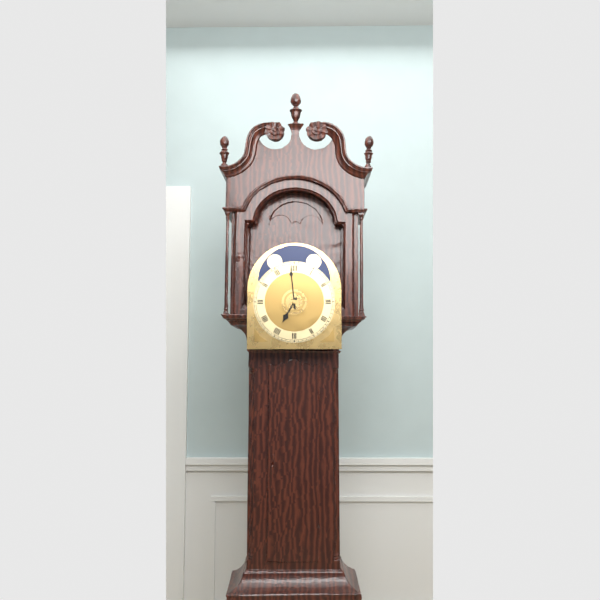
6.59
